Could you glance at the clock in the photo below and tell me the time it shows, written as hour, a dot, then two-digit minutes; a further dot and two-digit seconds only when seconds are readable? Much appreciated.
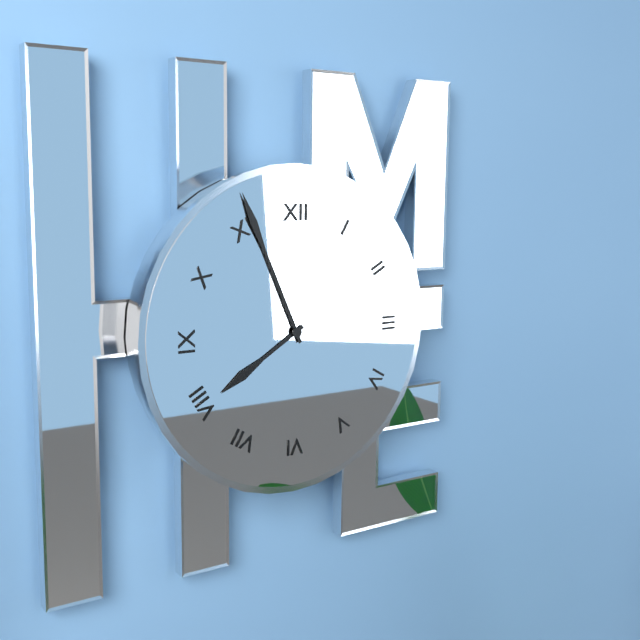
7.56
